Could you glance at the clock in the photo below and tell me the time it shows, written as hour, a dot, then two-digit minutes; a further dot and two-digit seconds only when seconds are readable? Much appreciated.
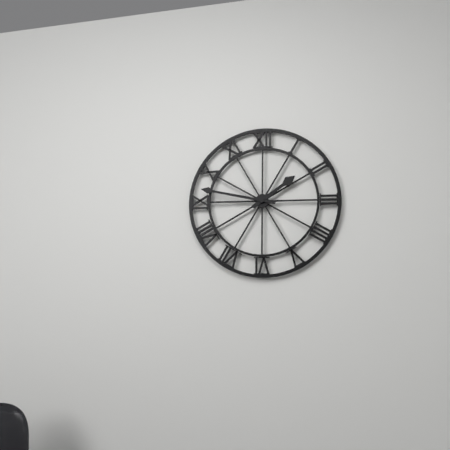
1.47
